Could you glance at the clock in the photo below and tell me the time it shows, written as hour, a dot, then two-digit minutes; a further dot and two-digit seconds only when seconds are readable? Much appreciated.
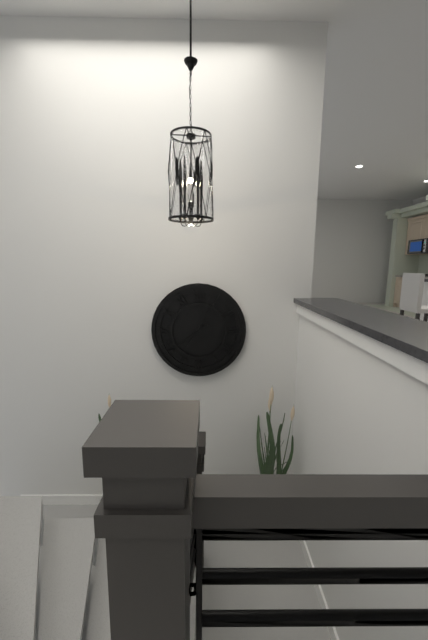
7.03.39
